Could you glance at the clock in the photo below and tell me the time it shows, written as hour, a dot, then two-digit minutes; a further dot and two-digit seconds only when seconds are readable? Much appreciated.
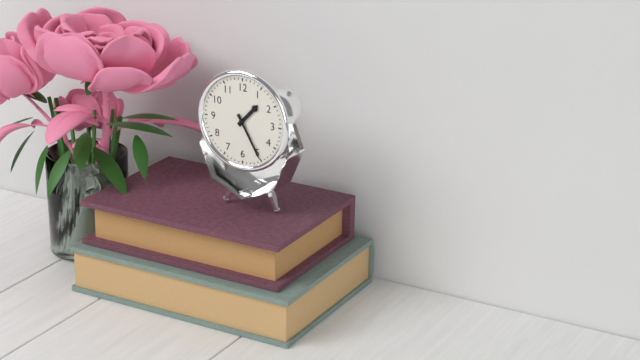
1.25
